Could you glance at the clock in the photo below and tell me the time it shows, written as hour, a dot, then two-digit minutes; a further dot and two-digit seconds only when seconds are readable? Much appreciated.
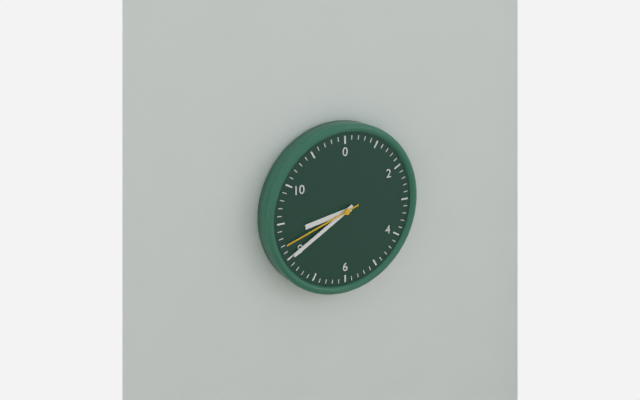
8.40.42
